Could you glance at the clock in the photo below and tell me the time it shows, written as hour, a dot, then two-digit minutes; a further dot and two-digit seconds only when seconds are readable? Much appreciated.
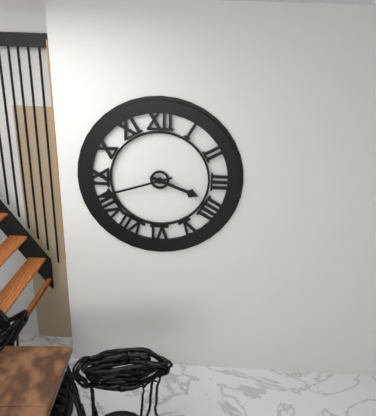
3.42
